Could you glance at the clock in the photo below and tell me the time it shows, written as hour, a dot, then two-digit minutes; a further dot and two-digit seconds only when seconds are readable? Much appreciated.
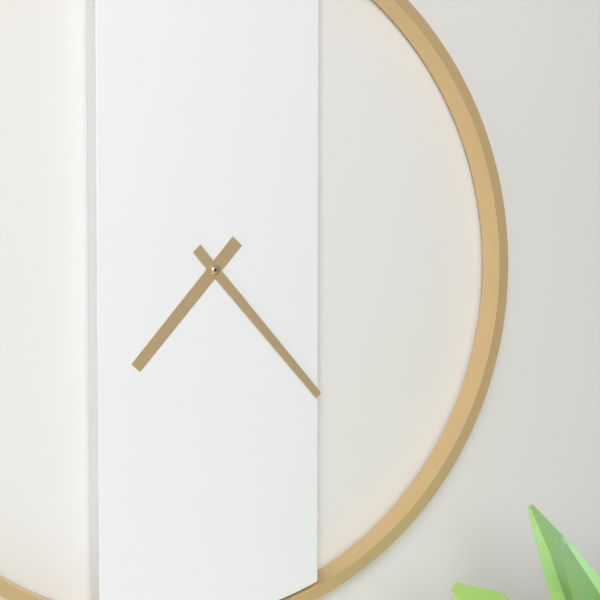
7.23
